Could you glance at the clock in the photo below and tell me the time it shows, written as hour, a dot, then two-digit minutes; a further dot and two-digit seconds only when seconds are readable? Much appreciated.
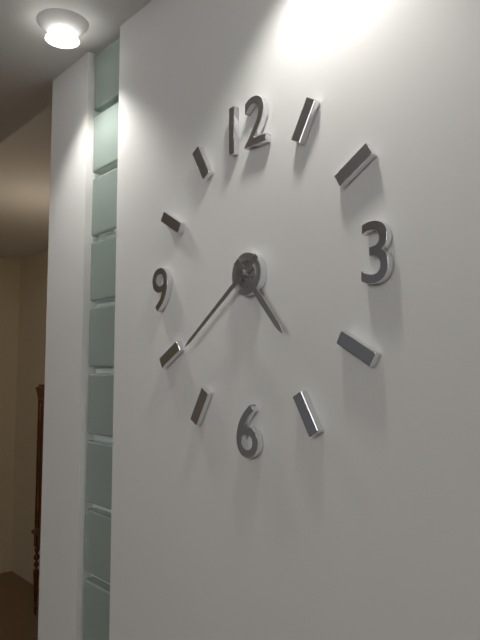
4.39
